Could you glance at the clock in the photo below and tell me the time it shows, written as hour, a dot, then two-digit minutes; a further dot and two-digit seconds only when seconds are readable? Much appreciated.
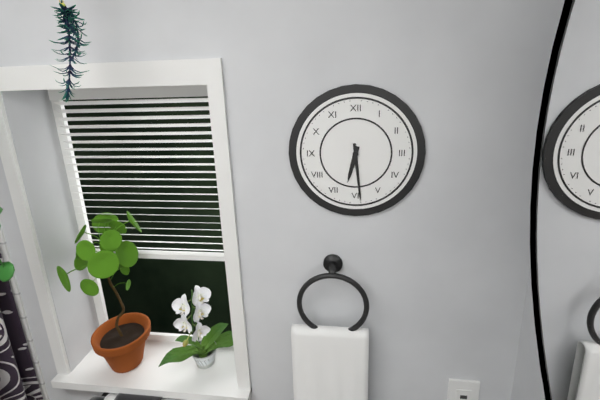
6.29
